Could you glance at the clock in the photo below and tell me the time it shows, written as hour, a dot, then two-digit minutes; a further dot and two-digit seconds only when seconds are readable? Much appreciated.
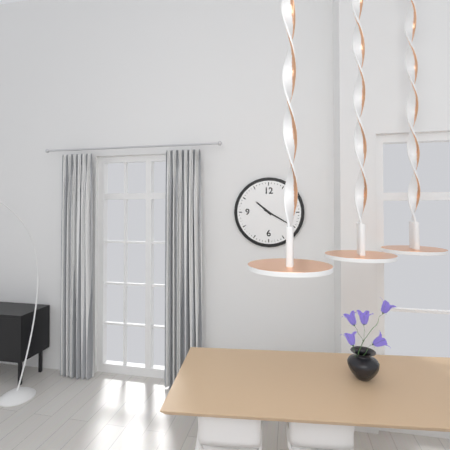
10.20
